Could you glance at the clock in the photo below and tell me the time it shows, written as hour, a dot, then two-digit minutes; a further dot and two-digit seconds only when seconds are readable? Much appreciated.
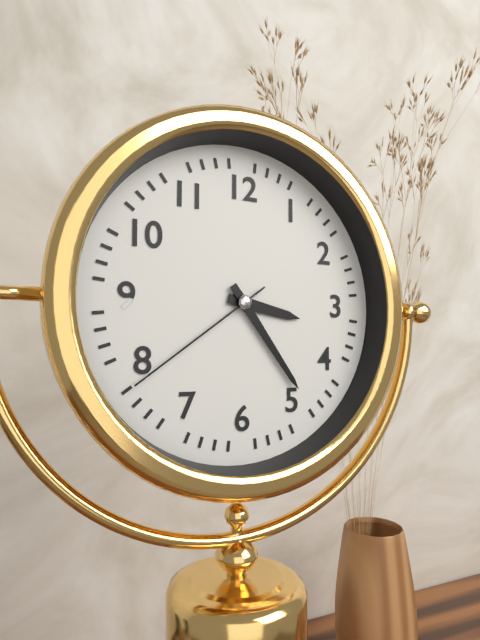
3.24.39
